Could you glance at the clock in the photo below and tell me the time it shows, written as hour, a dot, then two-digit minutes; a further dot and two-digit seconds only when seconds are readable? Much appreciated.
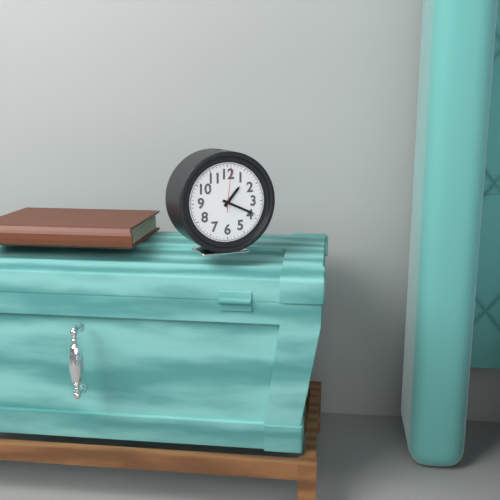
1.19
